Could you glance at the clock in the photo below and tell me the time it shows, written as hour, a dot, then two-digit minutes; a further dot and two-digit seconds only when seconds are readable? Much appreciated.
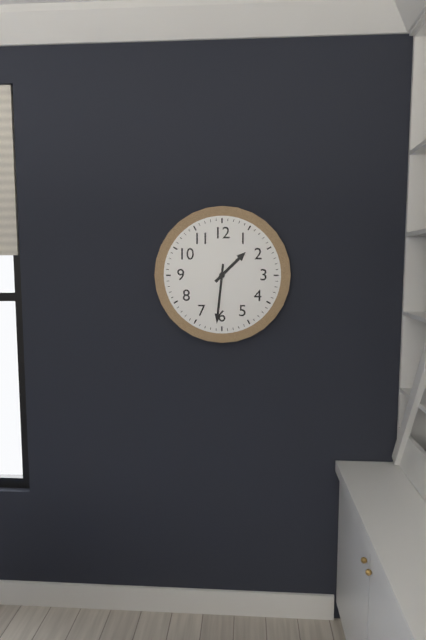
1.31
